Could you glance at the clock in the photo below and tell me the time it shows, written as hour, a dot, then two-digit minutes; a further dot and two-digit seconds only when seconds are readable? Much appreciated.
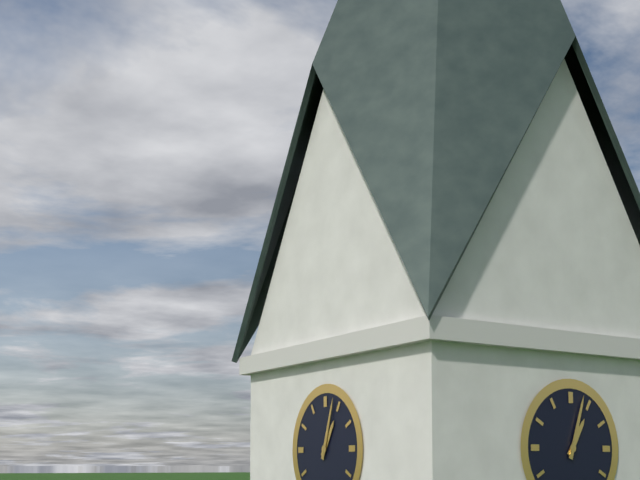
1.03
